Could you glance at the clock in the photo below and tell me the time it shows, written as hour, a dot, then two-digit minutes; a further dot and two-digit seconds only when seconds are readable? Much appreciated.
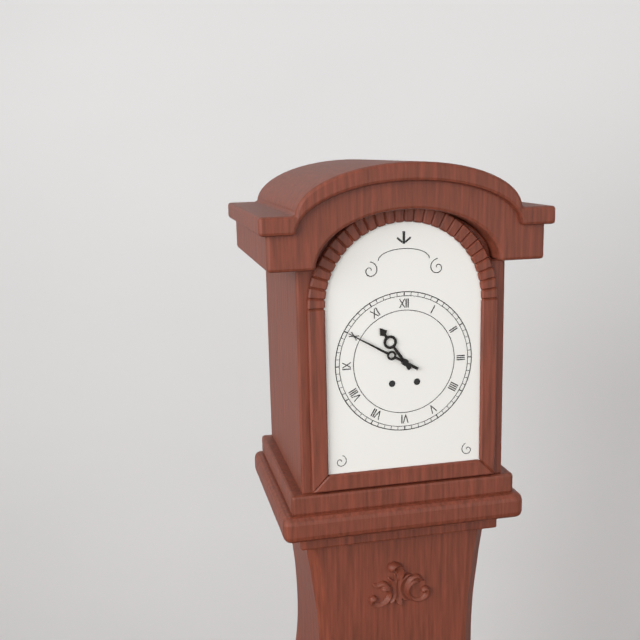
10.50
